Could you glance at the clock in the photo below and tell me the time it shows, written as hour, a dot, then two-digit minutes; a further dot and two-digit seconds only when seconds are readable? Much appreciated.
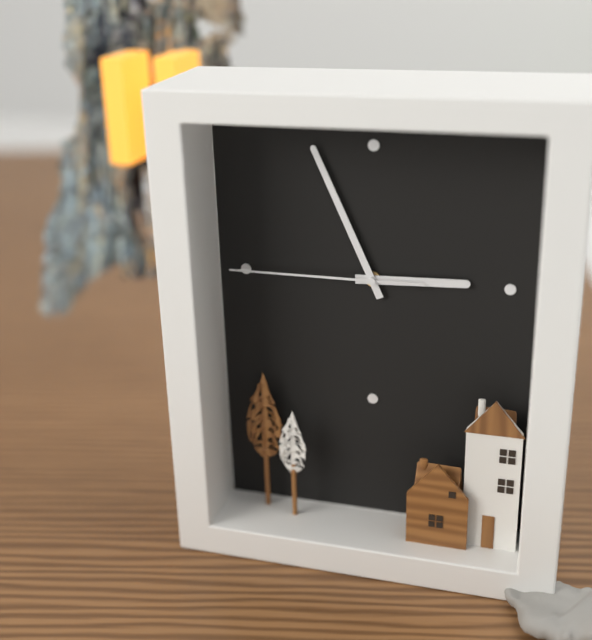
2.56.45
